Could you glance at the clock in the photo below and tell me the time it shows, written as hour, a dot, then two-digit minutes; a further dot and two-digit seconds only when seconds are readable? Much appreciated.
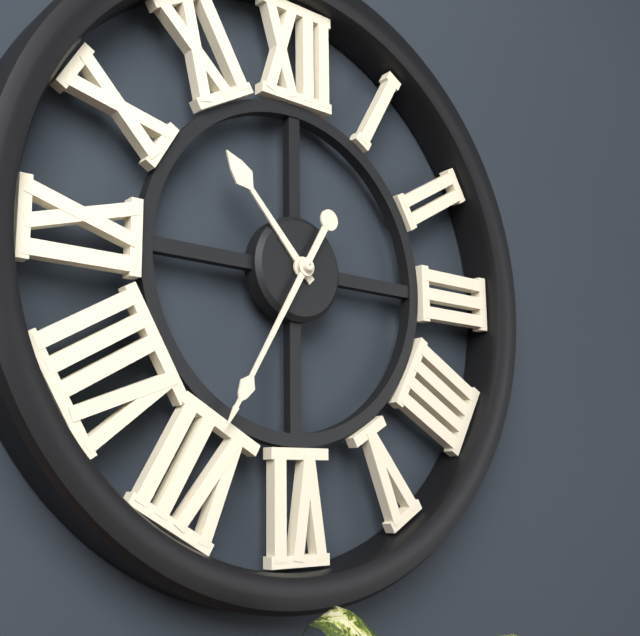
10.35
